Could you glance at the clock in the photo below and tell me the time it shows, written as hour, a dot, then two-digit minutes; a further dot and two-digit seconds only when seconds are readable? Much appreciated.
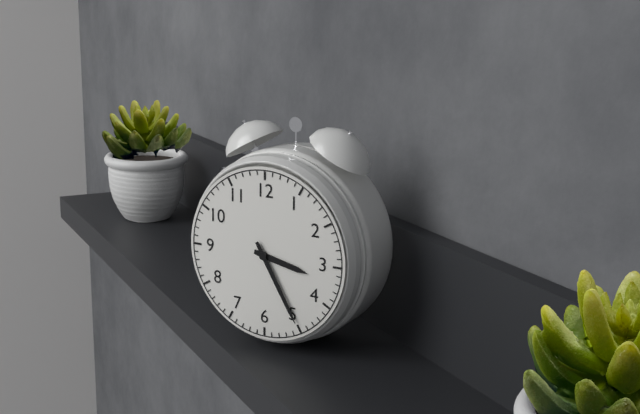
3.25
